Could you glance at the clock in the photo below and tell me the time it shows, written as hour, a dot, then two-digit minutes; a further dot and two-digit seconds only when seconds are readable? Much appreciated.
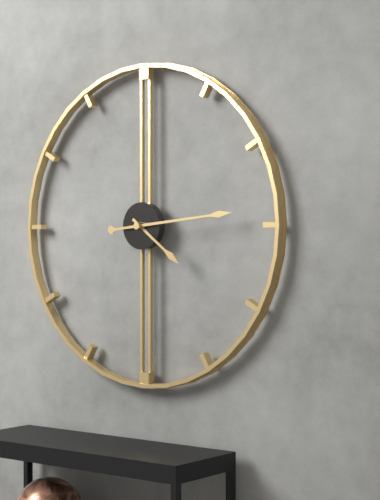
4.14
